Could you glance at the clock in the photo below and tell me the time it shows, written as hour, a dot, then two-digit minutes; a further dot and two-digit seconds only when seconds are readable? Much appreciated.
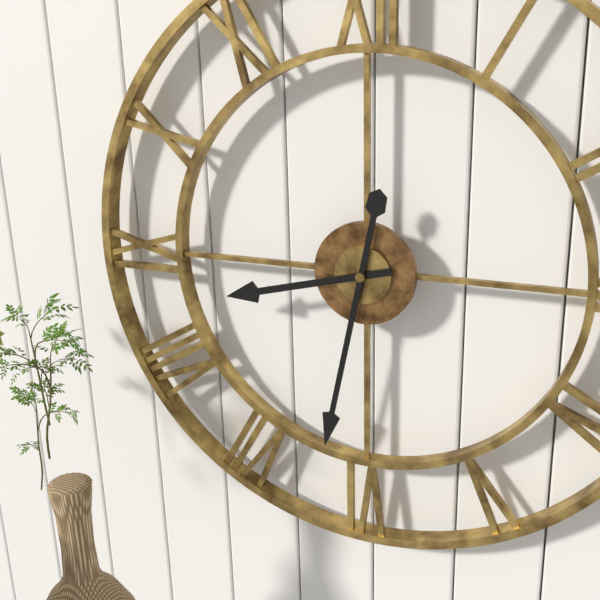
8.32
